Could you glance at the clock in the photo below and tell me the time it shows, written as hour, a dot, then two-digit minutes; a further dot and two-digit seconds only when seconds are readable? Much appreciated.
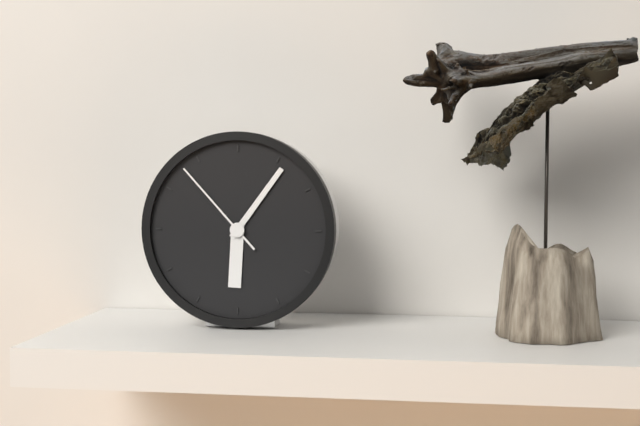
6.06.53
